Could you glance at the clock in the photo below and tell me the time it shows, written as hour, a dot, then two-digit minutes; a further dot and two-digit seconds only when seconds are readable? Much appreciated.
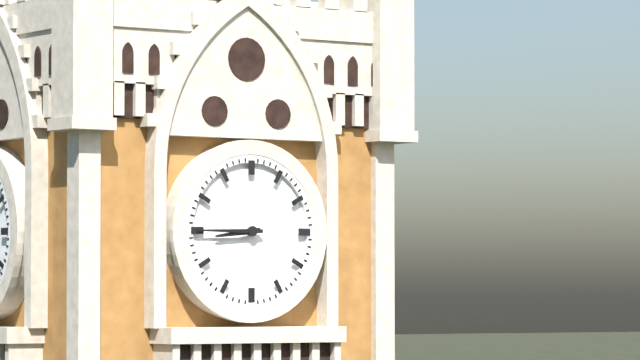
8.45
